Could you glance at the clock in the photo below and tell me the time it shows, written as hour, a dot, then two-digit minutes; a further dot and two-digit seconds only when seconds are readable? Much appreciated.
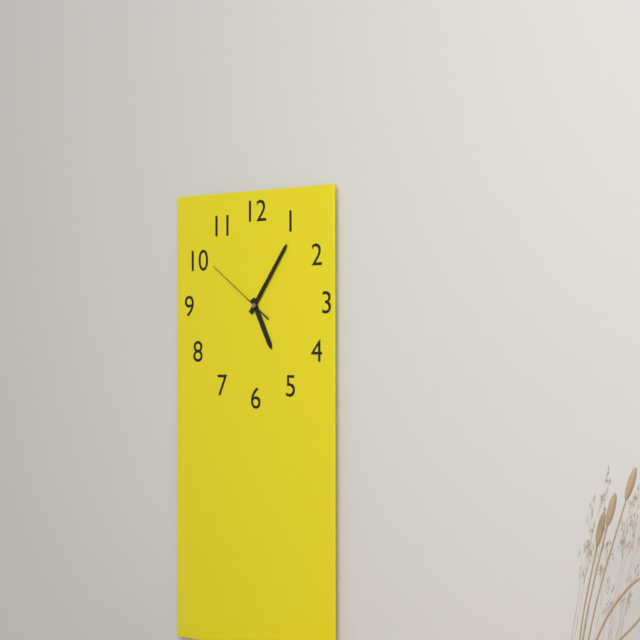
5.06.51
